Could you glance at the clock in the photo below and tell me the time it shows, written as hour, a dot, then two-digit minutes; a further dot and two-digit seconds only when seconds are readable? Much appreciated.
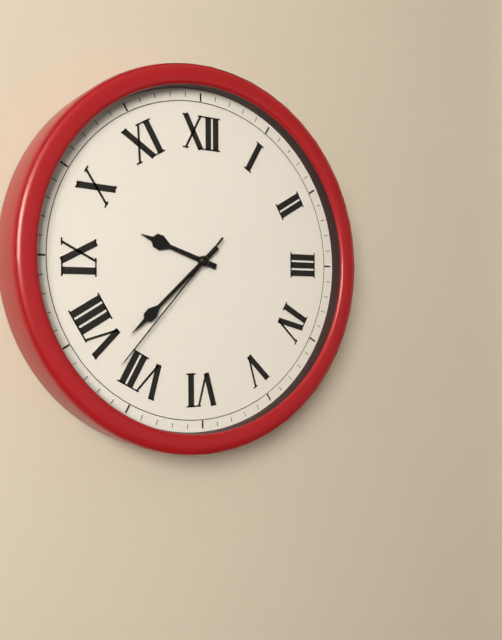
9.38.37
